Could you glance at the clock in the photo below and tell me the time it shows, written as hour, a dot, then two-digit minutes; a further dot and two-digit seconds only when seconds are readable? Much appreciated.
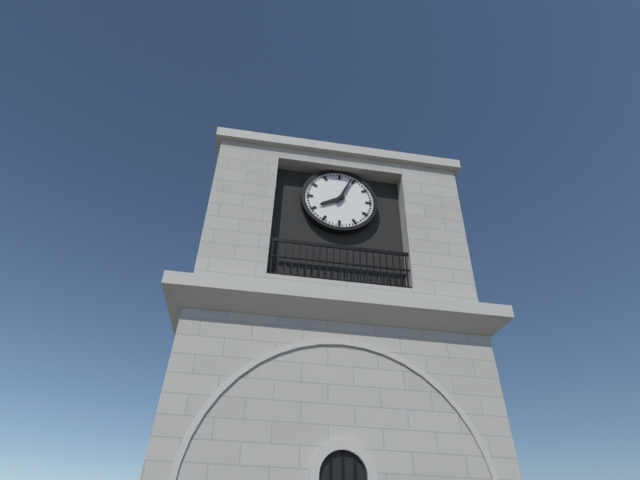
8.04
